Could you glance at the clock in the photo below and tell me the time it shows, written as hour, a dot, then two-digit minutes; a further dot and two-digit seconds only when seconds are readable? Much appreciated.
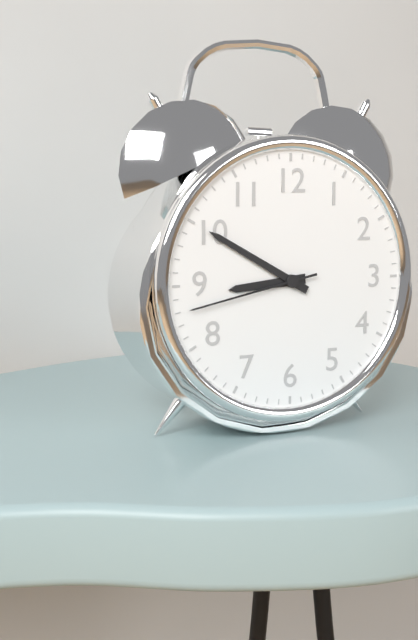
8.50.43
